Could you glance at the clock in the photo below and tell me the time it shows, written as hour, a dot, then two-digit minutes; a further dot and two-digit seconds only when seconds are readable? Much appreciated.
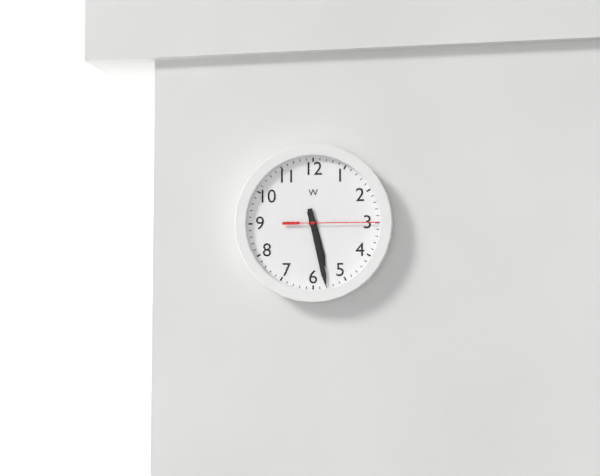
5.28.15
